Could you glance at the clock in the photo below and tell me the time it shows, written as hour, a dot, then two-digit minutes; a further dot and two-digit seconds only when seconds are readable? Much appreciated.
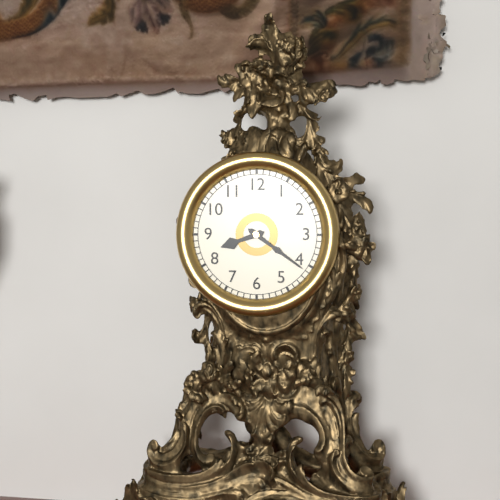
8.21
